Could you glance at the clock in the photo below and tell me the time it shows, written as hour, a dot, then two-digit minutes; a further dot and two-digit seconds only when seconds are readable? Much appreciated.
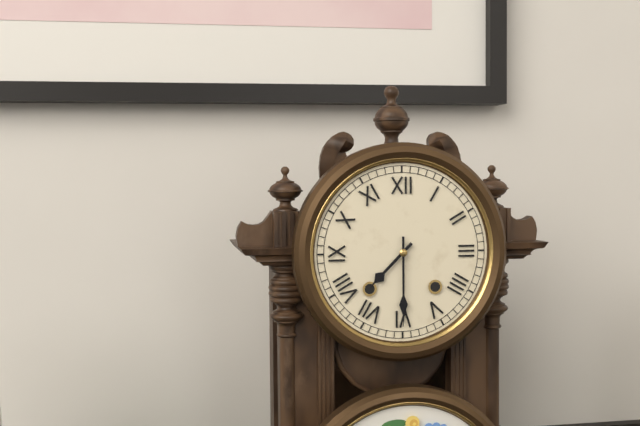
7.30
